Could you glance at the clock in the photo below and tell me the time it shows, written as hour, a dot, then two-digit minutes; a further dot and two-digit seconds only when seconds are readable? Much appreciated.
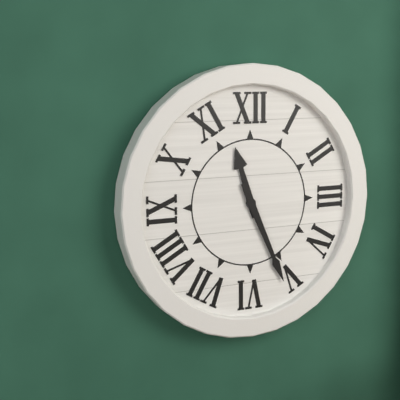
11.26
